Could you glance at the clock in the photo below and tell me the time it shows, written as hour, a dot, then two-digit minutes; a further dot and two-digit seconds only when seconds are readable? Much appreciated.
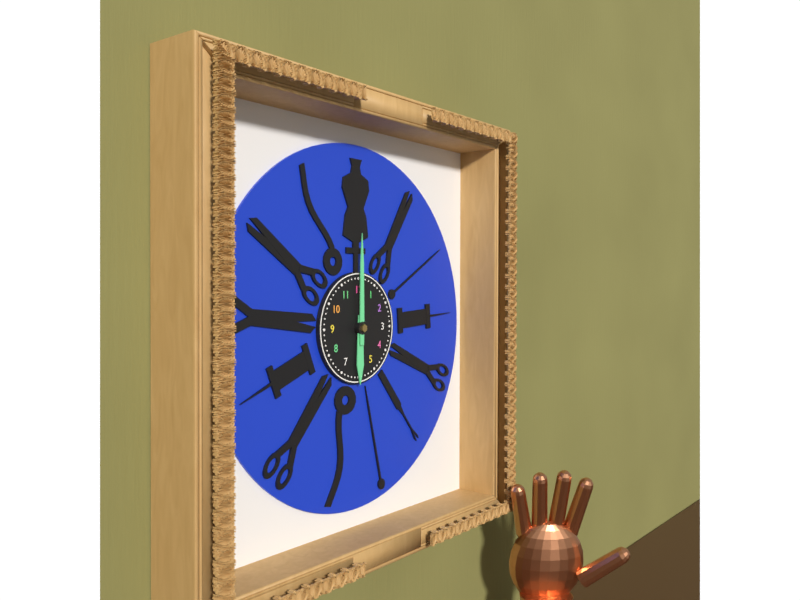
6.00
